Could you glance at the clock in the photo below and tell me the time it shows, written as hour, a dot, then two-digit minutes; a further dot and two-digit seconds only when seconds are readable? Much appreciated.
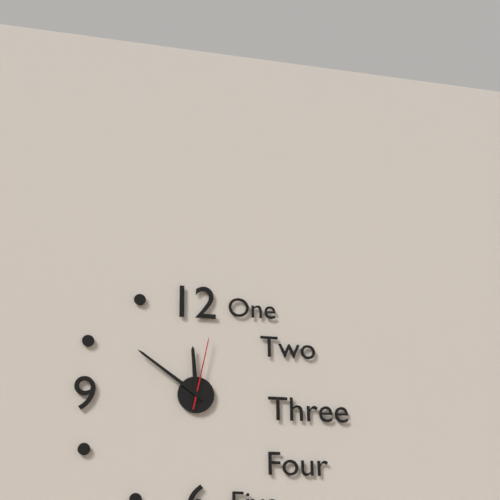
11.51.02
